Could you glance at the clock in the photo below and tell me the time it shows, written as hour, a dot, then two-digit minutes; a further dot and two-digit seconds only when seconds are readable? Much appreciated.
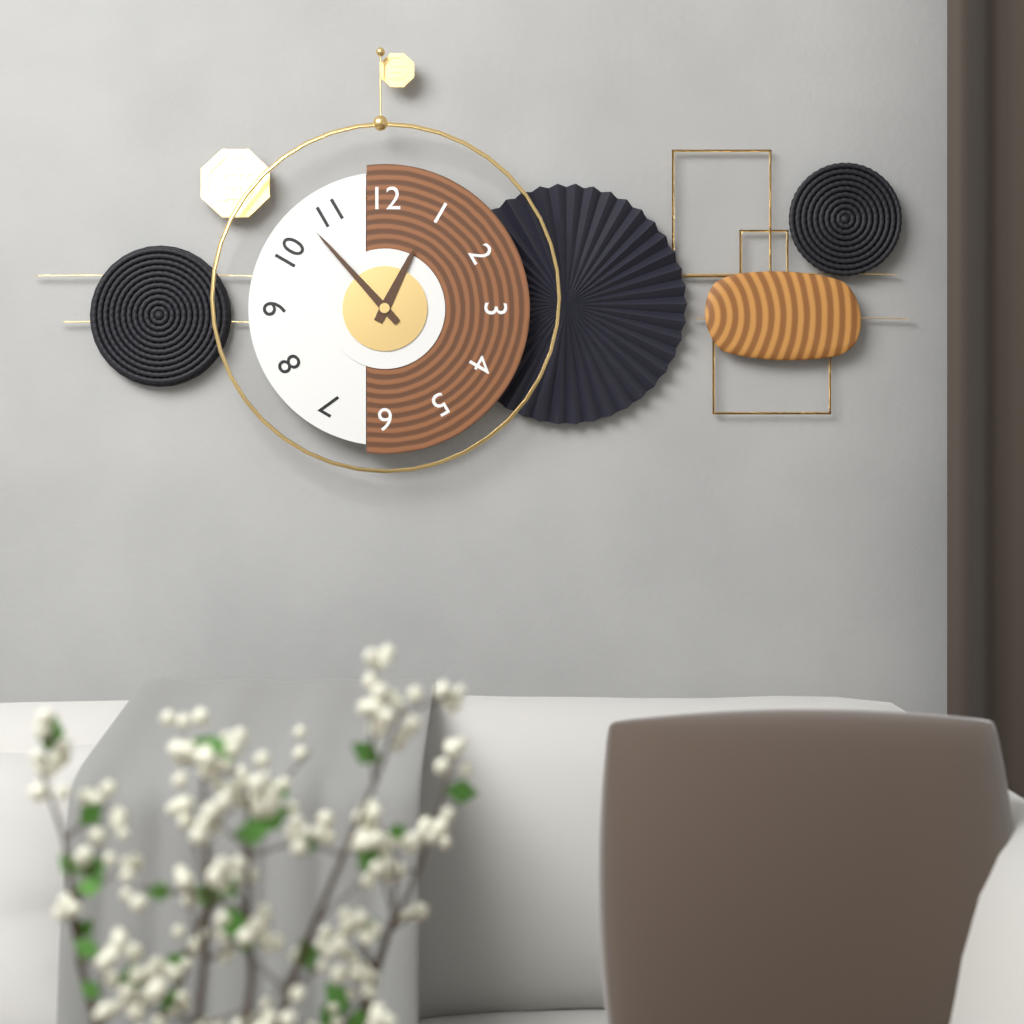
12.53
